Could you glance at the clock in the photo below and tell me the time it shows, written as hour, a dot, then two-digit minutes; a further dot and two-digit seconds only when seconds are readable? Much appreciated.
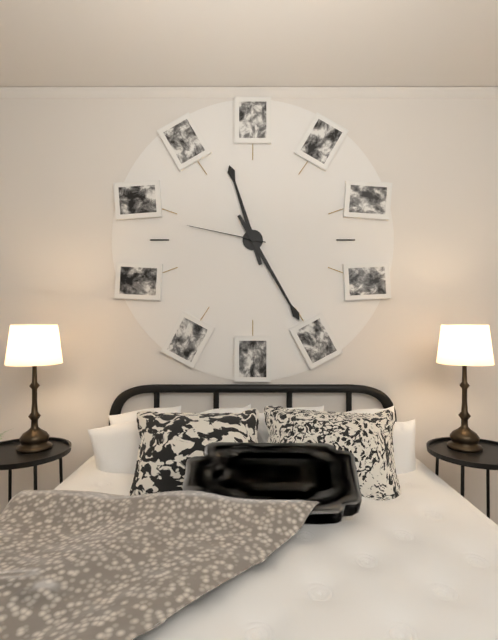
11.25.47
